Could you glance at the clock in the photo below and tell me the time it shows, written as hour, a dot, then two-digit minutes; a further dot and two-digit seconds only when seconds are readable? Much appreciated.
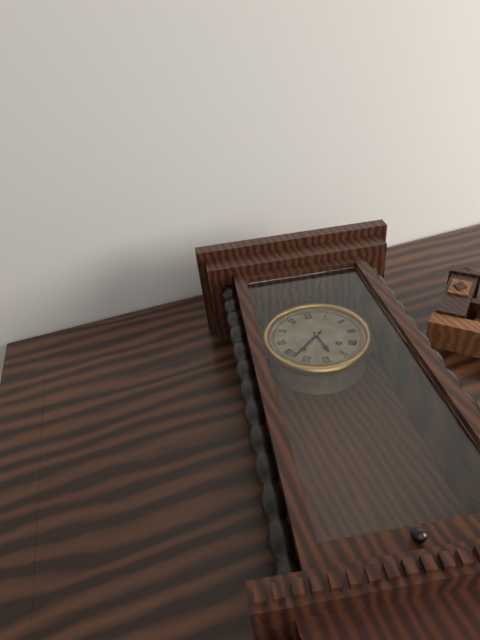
5.38
